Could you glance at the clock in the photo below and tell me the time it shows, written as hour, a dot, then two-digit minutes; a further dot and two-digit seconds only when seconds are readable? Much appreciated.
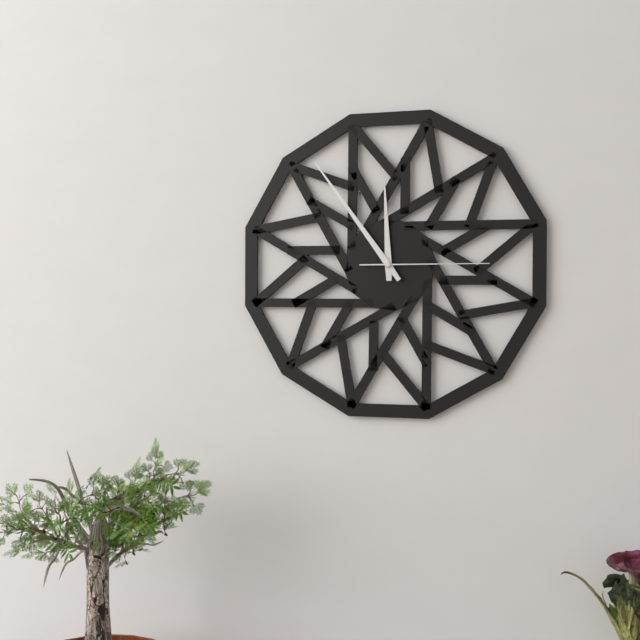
11.54.15
